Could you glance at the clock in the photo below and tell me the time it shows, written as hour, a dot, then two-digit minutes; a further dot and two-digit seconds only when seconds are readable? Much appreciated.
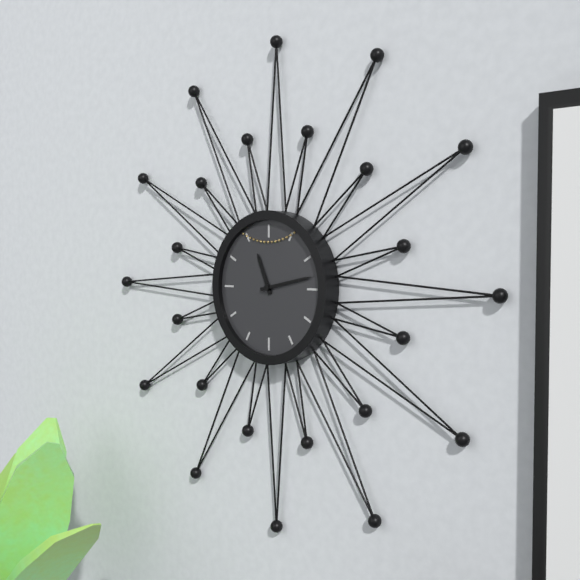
11.13
